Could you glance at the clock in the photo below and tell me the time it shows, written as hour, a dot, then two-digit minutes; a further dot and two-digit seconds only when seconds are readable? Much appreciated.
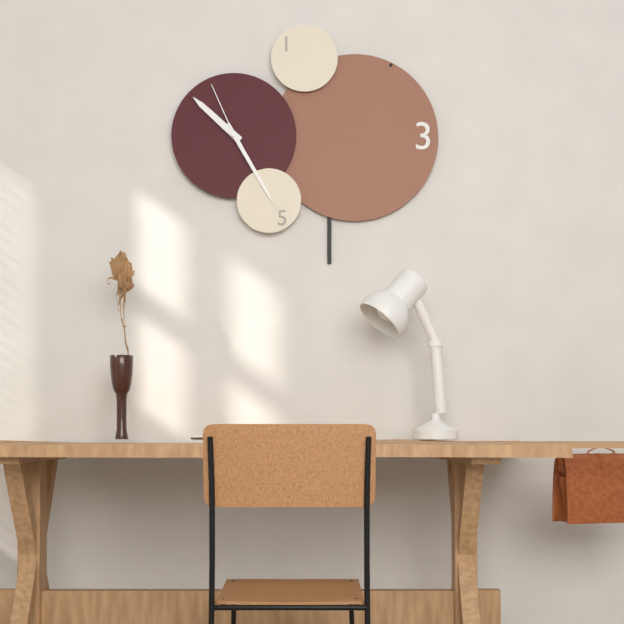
10.25.56
